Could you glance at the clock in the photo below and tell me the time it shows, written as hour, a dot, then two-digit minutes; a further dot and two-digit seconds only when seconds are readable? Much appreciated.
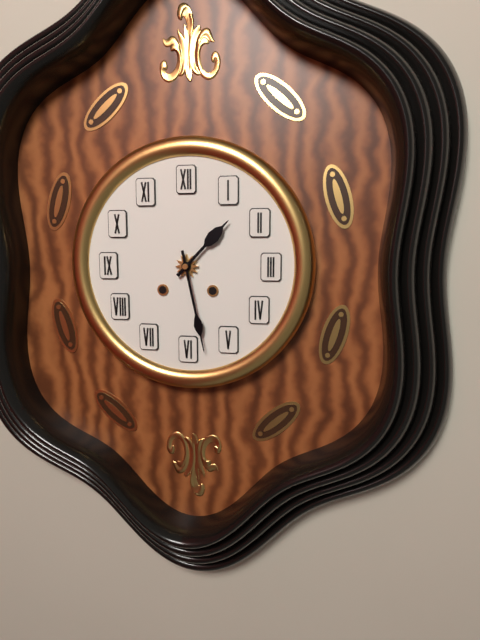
1.28
